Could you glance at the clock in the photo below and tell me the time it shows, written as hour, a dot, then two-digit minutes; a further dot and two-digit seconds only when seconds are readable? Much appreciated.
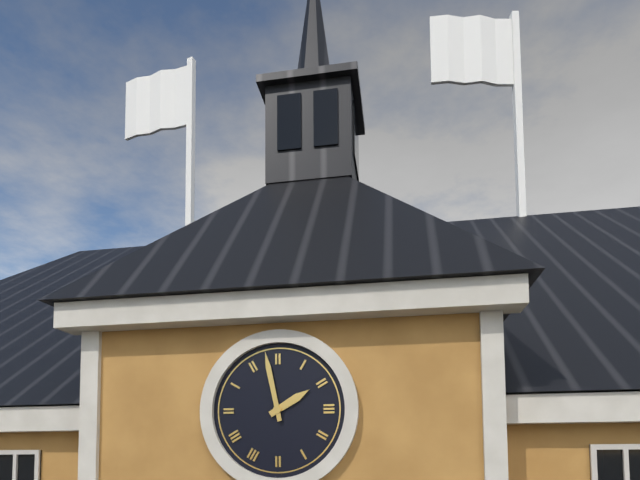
1.58
